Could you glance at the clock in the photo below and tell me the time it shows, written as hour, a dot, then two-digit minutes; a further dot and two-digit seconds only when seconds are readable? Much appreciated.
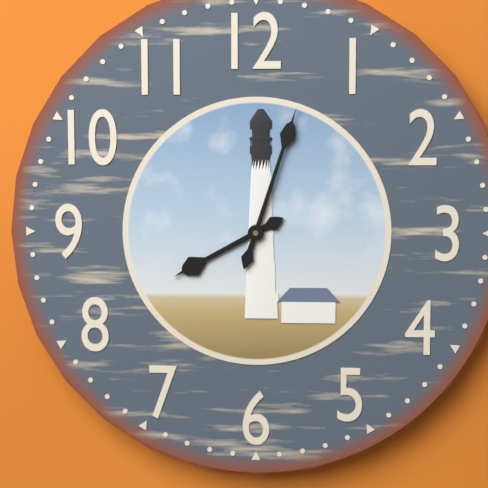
8.03
